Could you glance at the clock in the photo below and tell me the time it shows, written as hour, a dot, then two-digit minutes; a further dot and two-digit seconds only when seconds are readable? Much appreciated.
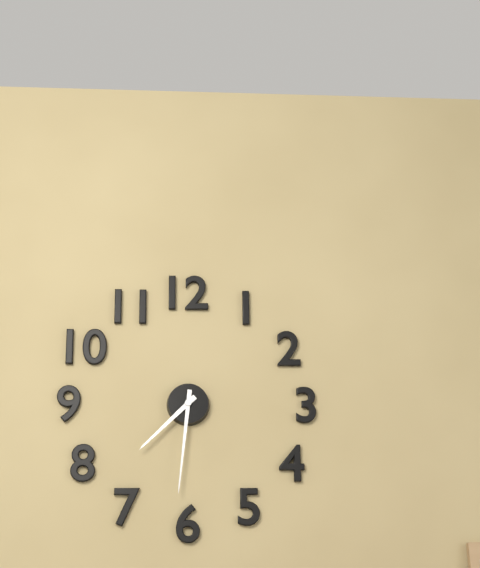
7.31
